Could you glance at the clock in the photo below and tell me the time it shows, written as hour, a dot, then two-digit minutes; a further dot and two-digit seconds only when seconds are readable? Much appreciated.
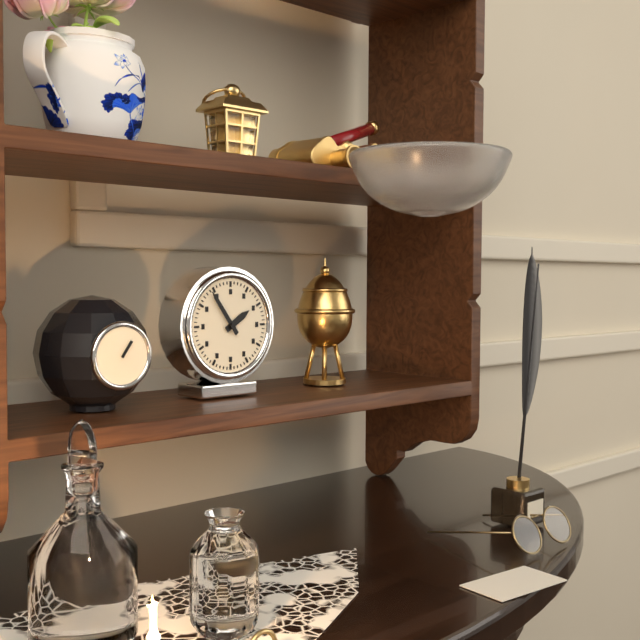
1.54
